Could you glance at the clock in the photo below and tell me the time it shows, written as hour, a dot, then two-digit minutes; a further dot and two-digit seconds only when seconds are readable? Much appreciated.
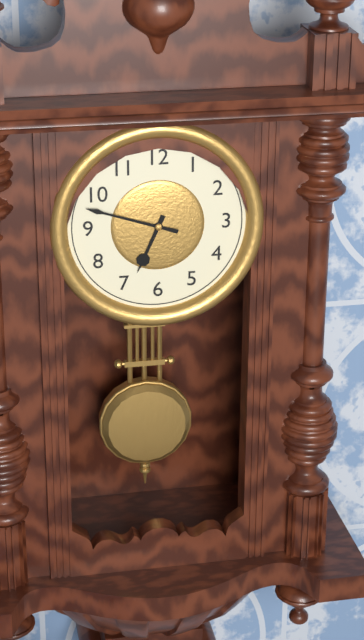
6.48
